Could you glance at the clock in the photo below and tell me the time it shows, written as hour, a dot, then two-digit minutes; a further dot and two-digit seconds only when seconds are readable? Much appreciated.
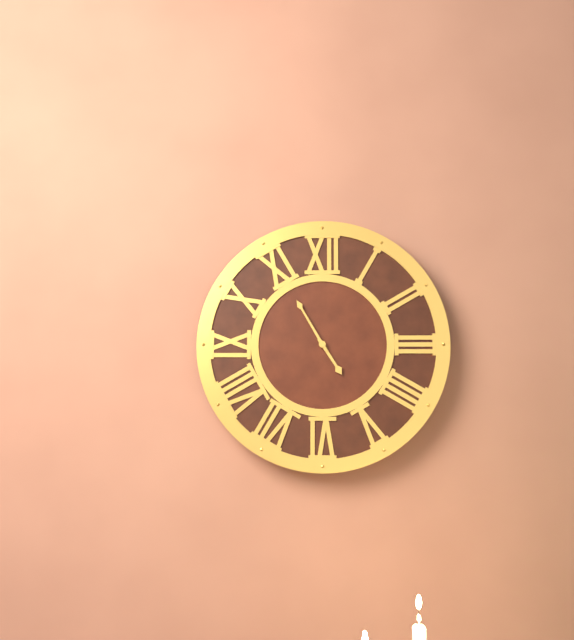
4.55
